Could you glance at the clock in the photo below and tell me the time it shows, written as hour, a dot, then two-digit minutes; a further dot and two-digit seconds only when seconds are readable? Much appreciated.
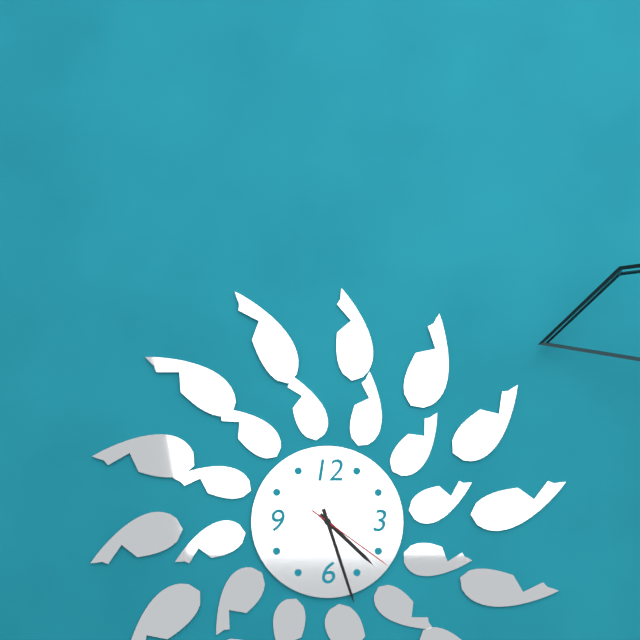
4.27.21
